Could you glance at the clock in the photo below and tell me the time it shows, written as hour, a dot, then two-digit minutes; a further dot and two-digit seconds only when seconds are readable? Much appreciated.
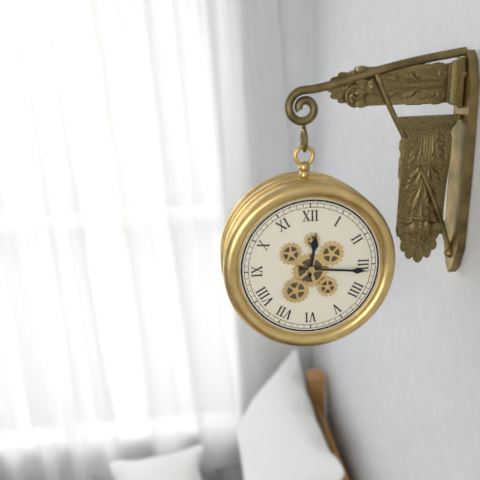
12.16
